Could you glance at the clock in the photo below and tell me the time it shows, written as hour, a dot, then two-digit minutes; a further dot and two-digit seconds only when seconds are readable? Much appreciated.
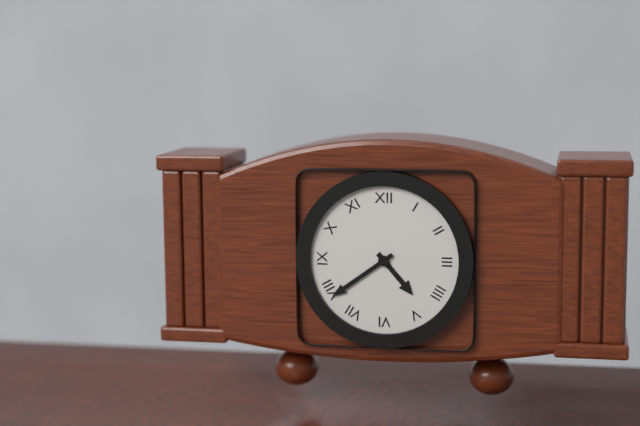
4.39
